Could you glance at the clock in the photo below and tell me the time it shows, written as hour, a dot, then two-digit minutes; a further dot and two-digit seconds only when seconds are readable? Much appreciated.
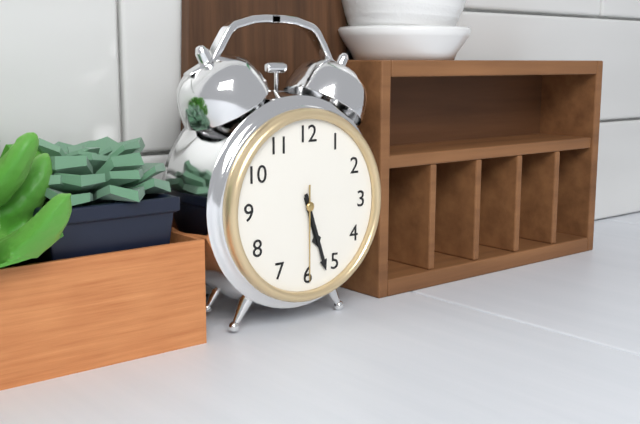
5.27.30
